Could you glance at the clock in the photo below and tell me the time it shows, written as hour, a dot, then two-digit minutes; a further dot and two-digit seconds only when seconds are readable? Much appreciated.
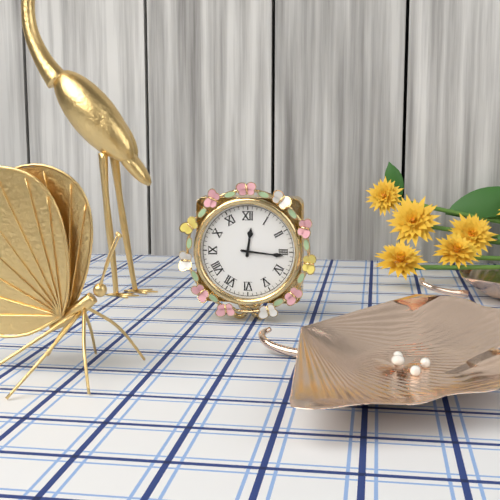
12.16
